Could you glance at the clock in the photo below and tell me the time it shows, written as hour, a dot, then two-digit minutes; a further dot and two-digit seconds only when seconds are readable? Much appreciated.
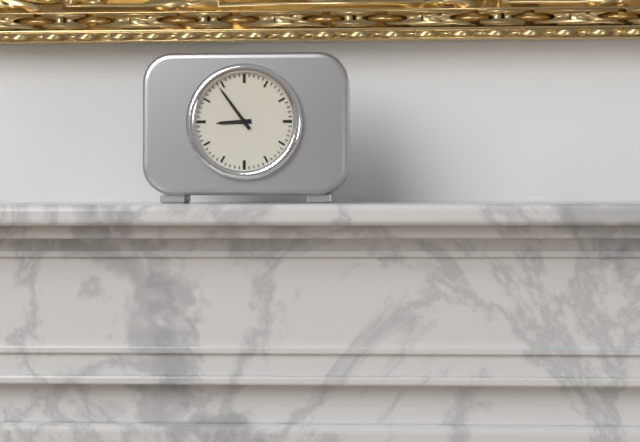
8.54
